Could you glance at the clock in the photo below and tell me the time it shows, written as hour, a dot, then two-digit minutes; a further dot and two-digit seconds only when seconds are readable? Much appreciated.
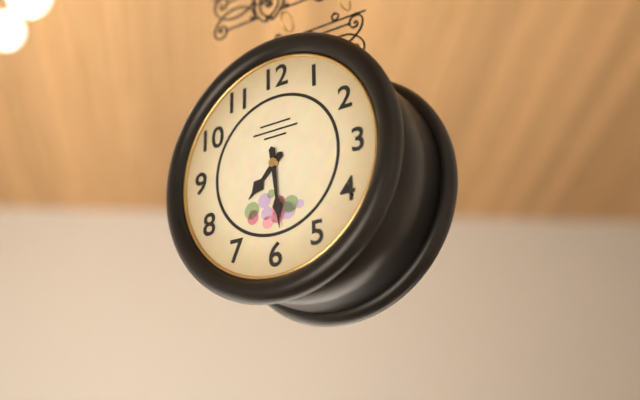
7.29
